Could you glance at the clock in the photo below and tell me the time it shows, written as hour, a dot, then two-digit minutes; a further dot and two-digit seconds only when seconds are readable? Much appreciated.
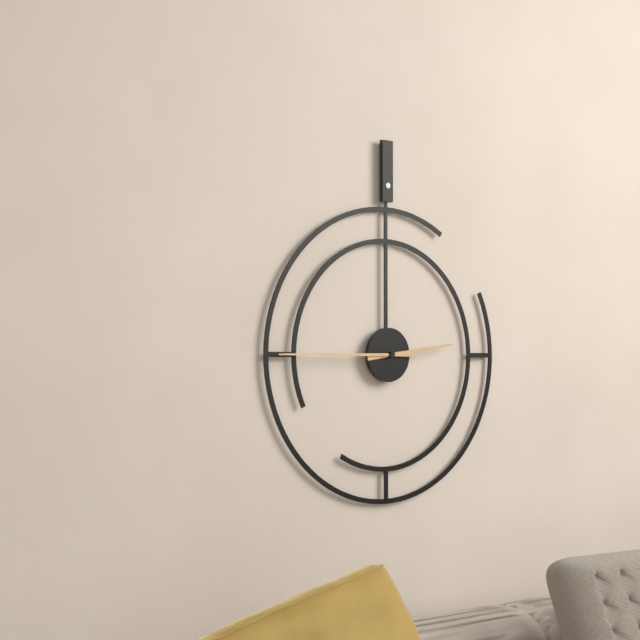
2.45
